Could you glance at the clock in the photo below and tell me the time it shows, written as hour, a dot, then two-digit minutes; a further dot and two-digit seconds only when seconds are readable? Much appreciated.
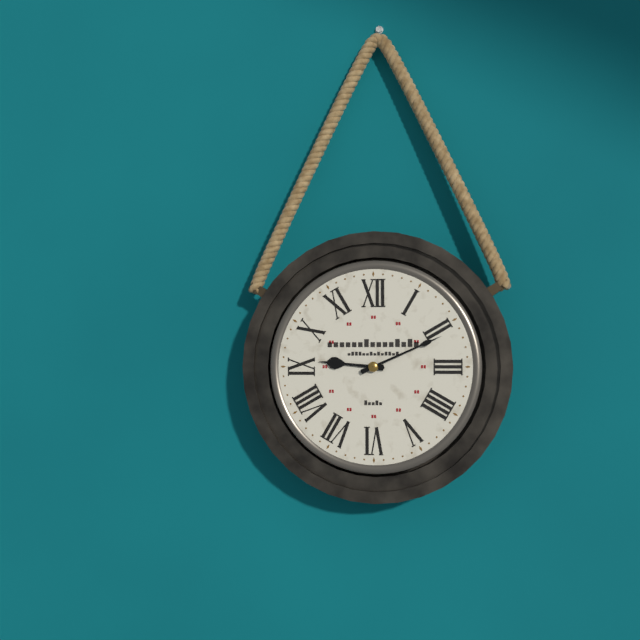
9.11
